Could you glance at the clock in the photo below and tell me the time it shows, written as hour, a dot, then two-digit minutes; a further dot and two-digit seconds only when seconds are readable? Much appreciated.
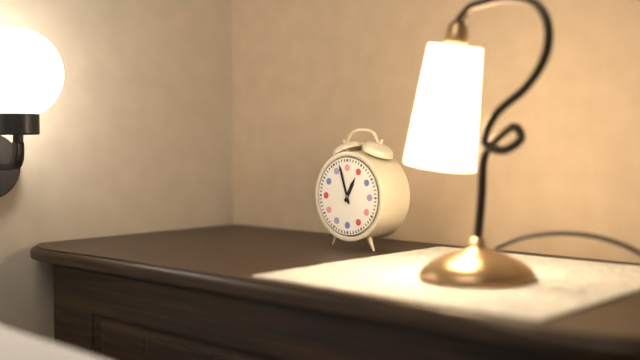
12.57
